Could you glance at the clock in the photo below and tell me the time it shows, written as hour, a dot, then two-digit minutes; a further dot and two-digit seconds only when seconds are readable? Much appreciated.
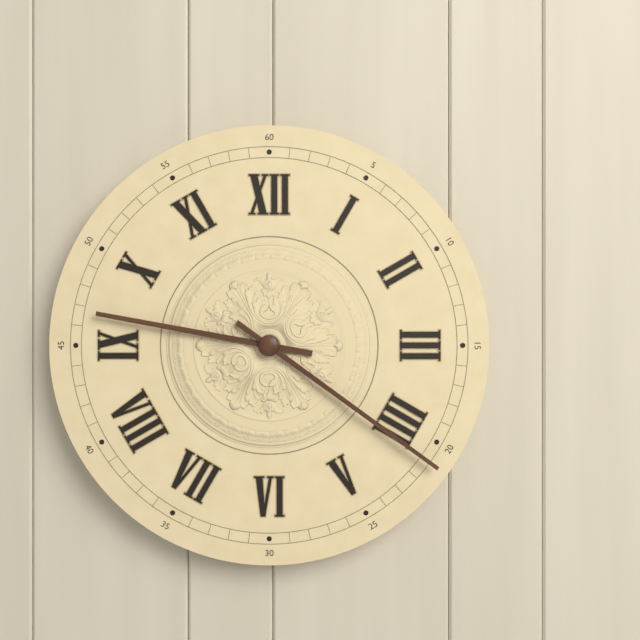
9.21
